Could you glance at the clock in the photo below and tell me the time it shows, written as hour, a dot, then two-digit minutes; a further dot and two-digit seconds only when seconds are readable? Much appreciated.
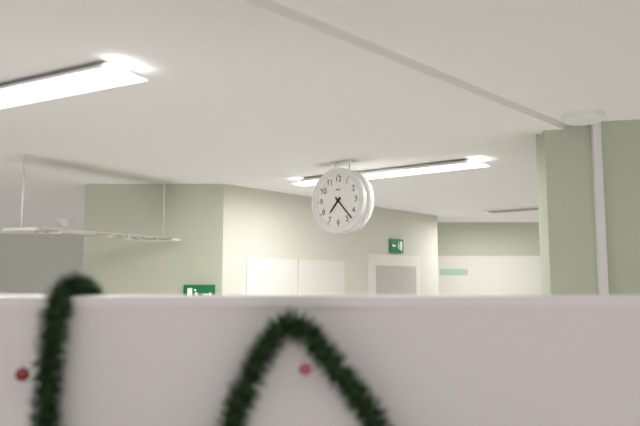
7.23
